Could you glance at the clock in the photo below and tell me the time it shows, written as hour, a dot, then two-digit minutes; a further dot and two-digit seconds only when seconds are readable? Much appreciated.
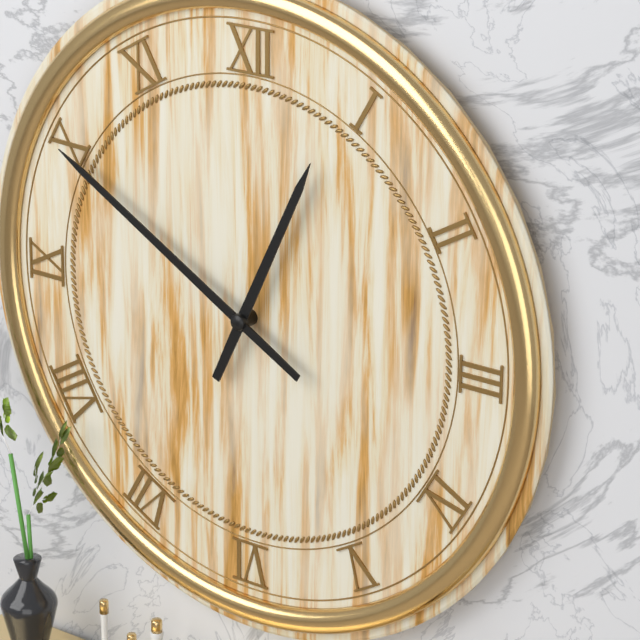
12.50
